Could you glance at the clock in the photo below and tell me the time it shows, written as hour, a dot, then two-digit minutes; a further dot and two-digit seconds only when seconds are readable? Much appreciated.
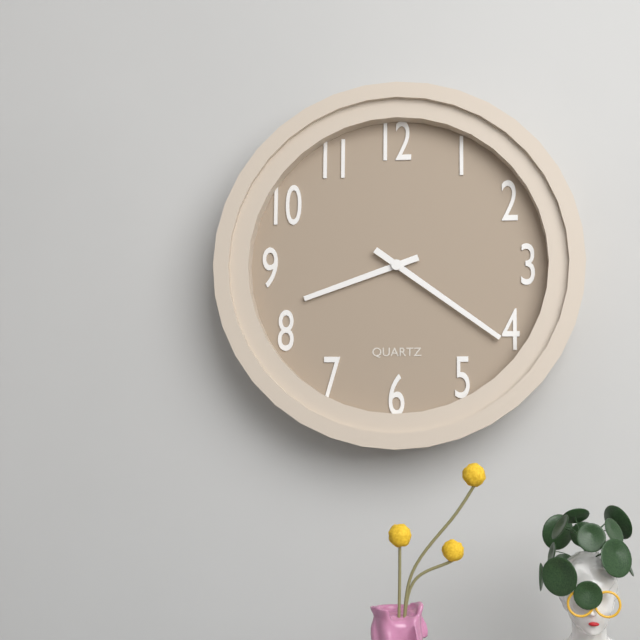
8.21
